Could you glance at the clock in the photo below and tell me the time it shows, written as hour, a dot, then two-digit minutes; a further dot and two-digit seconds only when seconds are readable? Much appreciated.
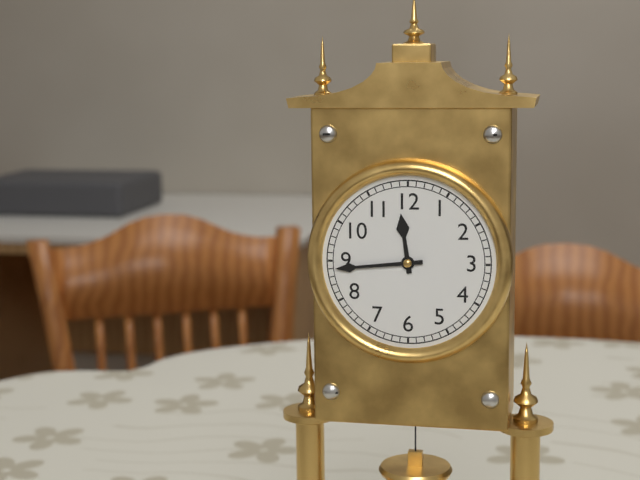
11.44
